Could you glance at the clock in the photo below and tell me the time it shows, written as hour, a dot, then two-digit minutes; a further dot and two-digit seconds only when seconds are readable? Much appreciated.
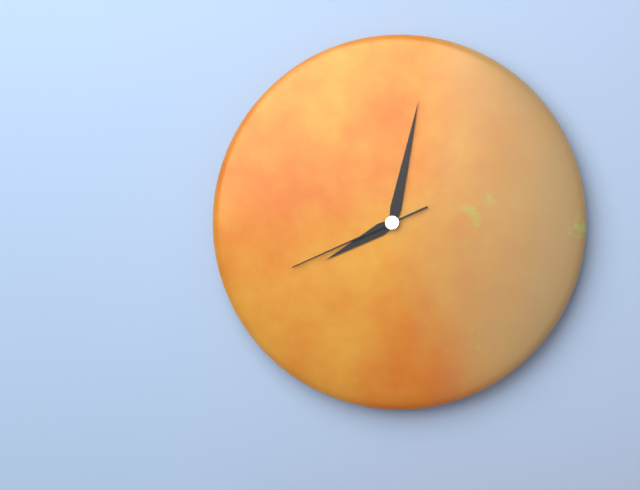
8.02.41
